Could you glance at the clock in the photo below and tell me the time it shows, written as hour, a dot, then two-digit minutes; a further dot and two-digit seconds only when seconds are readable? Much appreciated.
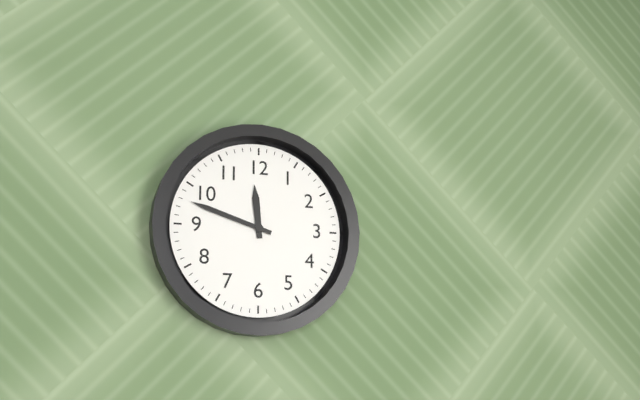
11.48
